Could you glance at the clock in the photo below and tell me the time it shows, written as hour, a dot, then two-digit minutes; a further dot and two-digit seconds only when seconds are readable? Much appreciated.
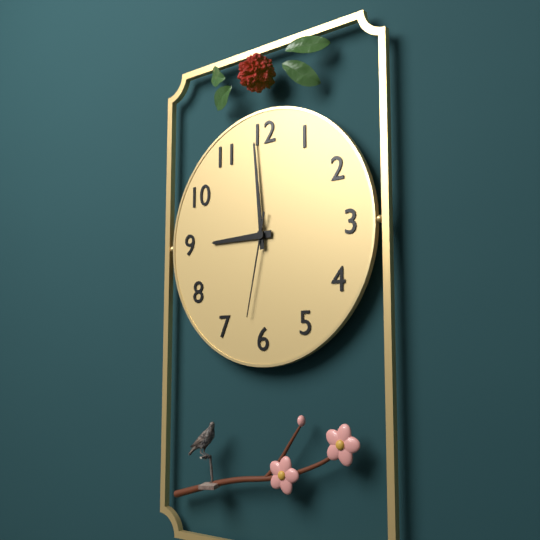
8.59.32
